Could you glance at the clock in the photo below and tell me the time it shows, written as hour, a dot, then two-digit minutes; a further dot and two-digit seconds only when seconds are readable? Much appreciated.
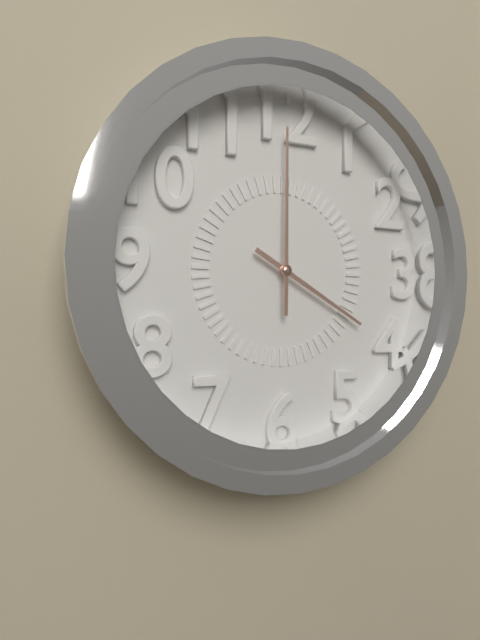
4.00
